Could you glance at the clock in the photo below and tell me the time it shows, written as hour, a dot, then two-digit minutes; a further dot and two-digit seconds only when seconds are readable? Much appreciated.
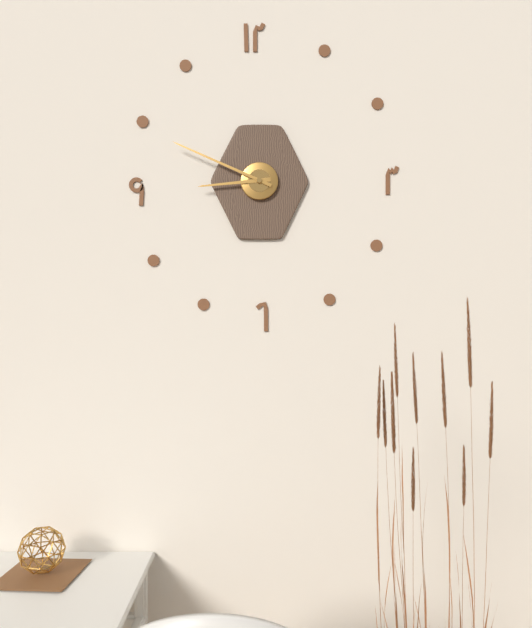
8.49
